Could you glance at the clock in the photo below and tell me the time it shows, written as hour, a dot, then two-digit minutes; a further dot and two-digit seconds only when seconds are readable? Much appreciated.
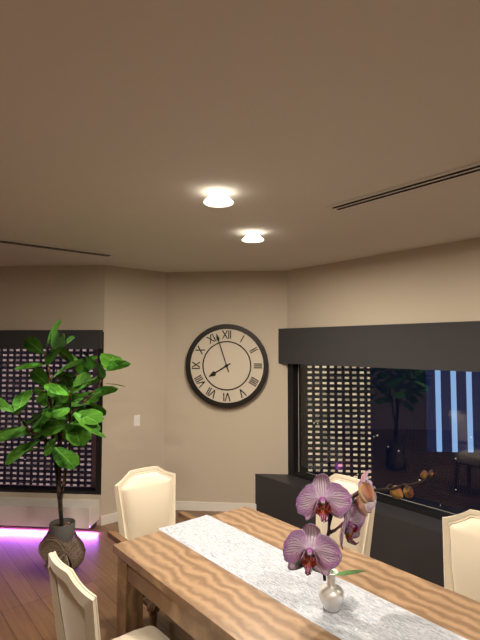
7.57
